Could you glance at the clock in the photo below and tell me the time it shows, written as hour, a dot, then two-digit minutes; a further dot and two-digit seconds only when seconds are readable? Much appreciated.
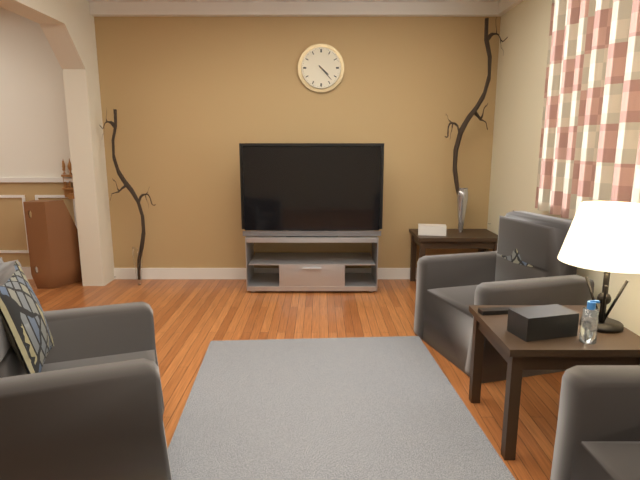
4.23
